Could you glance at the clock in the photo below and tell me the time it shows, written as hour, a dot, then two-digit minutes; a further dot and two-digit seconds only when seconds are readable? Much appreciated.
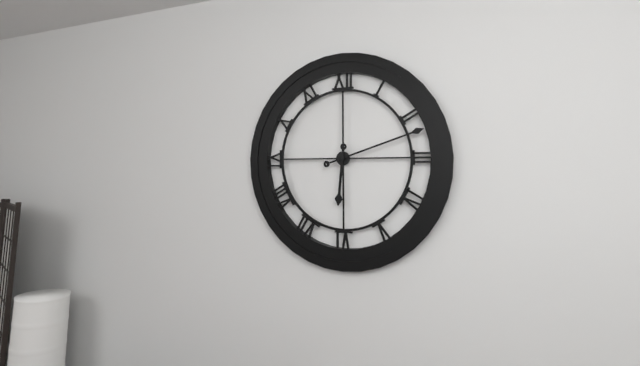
6.12
